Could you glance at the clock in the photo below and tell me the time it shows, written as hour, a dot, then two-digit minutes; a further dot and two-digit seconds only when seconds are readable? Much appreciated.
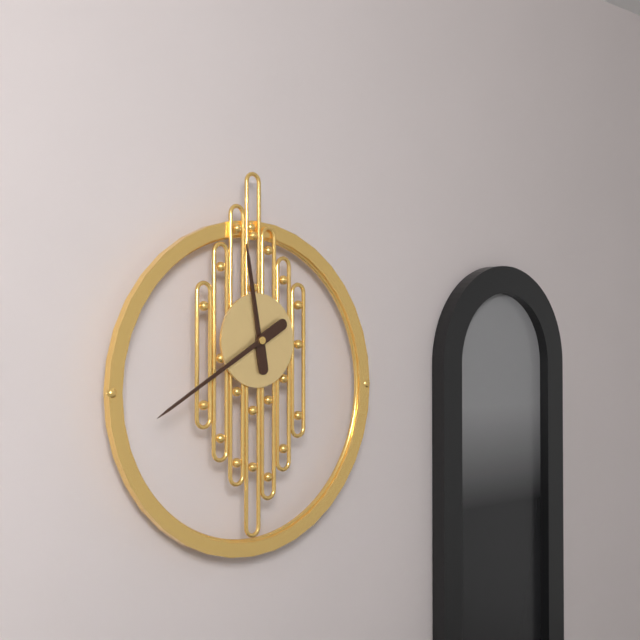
11.40
